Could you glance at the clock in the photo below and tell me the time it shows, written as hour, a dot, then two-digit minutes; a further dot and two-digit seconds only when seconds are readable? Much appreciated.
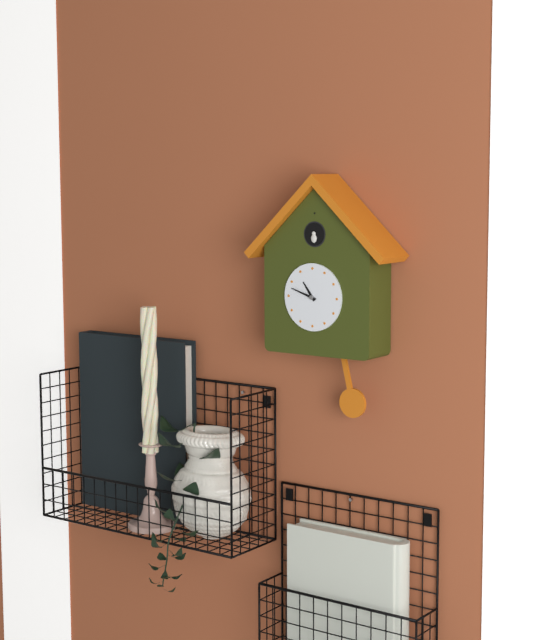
10.48
